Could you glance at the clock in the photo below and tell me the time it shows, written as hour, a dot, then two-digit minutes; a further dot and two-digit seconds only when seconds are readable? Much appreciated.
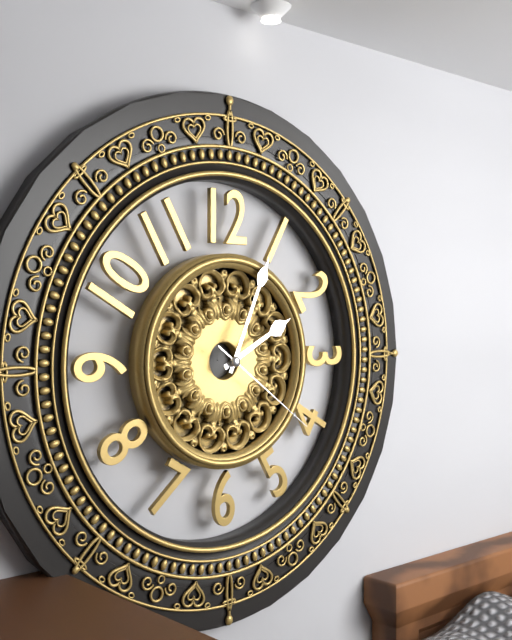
2.04.21
